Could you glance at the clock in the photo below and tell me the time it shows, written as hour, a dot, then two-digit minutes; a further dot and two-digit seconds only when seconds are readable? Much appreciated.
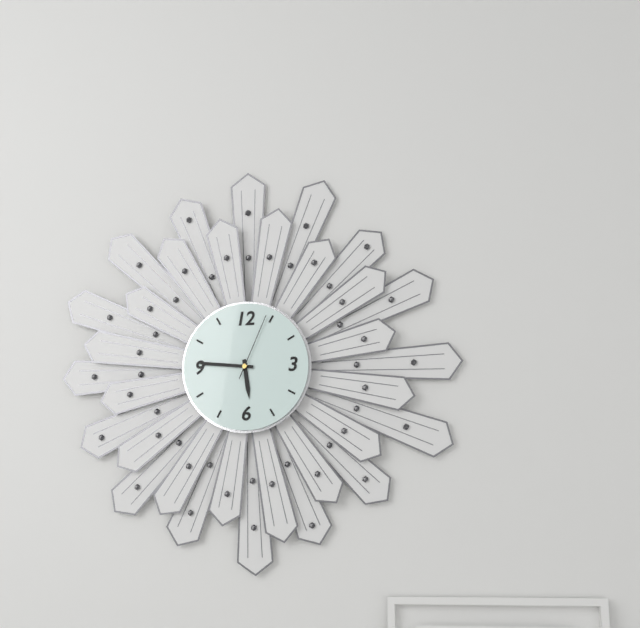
5.46.04
